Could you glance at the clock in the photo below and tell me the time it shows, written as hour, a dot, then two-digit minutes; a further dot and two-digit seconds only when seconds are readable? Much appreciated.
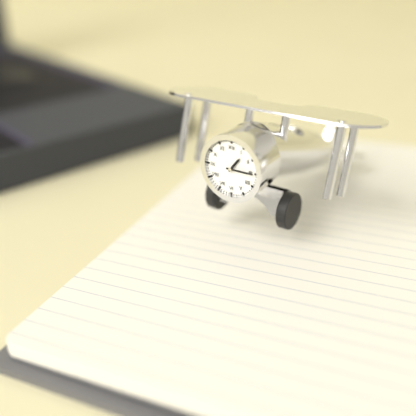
1.15
